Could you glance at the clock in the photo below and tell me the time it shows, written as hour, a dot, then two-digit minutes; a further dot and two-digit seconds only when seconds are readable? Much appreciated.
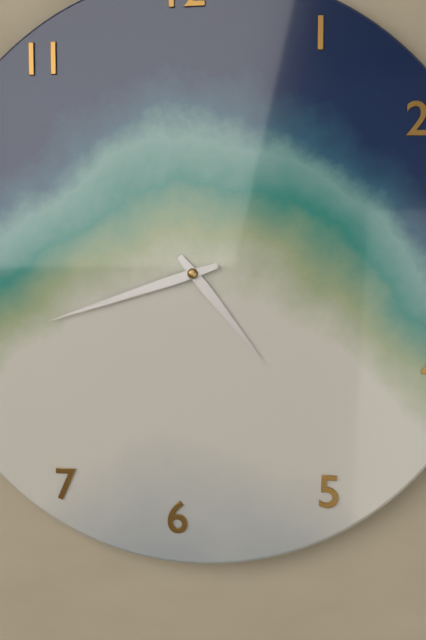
4.42
